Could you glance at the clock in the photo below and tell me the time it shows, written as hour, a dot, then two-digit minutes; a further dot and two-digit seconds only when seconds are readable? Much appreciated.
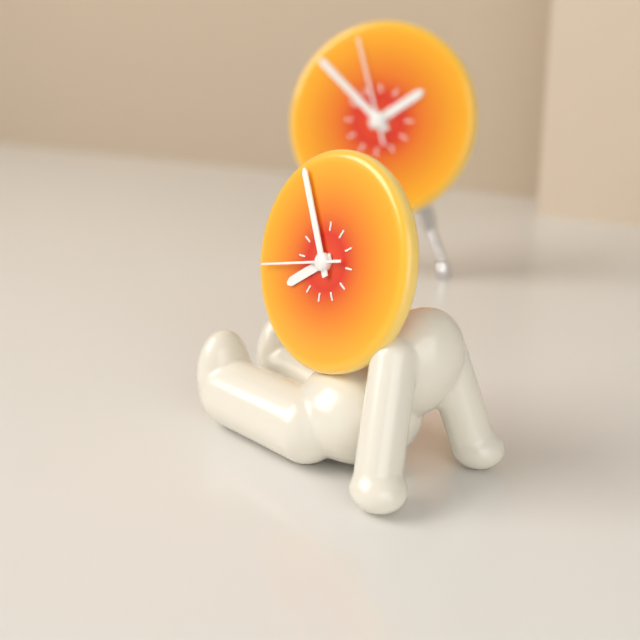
7.55.43
